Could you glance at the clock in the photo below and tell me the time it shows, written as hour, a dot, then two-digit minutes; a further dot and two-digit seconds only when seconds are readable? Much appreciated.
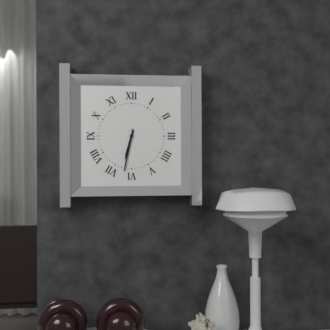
6.32
